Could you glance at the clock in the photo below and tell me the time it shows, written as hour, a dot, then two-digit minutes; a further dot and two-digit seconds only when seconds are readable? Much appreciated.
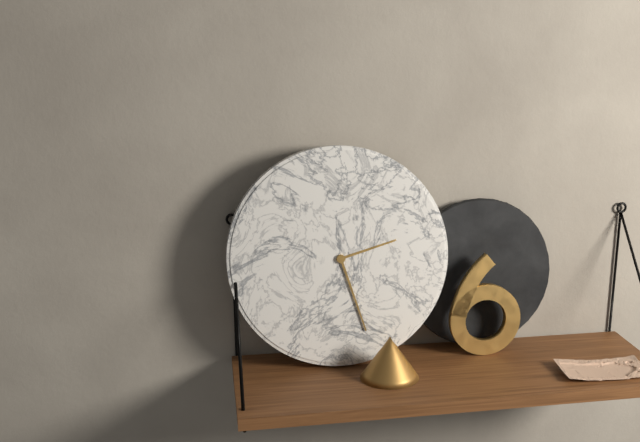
2.27
